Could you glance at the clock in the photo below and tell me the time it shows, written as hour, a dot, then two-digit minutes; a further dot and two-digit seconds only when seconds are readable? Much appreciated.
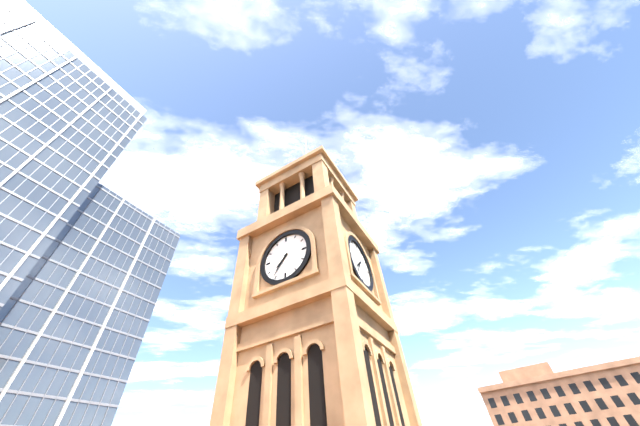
7.36
